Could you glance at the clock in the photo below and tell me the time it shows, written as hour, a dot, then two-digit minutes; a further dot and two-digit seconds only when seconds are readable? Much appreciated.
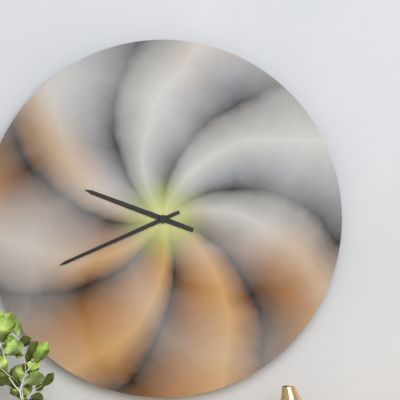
9.41
